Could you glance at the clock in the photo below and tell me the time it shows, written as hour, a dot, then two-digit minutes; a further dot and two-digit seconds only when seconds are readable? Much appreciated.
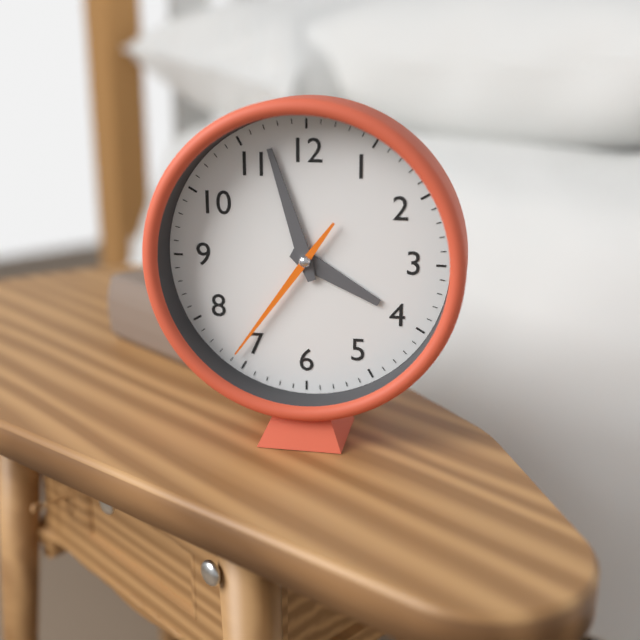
3.57.36
